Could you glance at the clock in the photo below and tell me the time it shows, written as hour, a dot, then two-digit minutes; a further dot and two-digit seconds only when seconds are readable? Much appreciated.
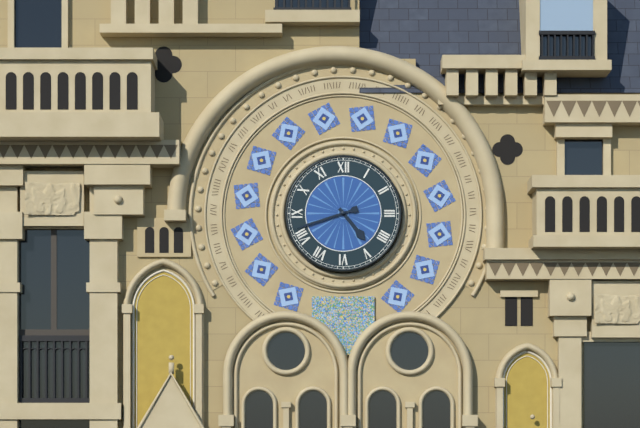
4.42
